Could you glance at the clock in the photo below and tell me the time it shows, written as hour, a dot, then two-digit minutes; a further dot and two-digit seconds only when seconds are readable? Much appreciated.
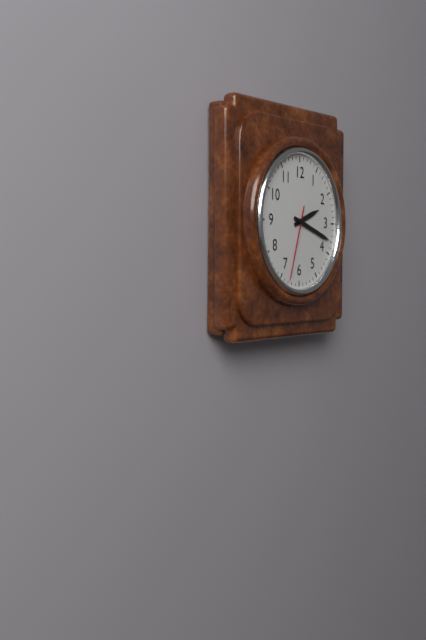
2.18.33
